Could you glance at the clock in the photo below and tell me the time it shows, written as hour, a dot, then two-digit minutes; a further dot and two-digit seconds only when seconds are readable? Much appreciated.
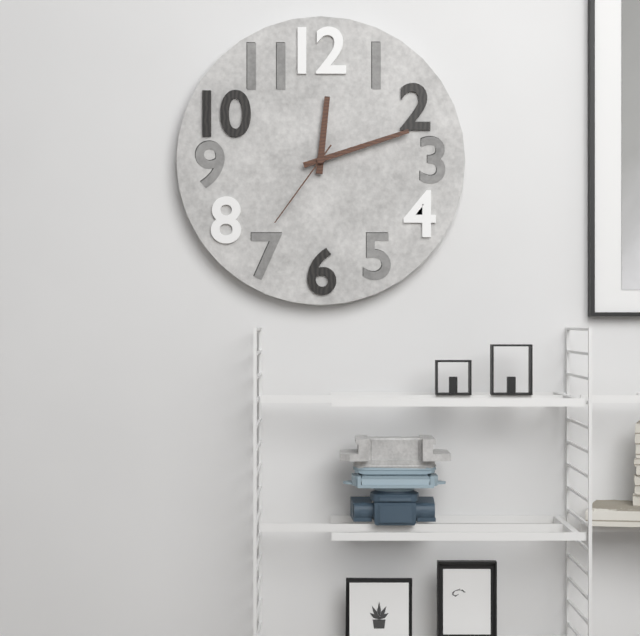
12.12.36
